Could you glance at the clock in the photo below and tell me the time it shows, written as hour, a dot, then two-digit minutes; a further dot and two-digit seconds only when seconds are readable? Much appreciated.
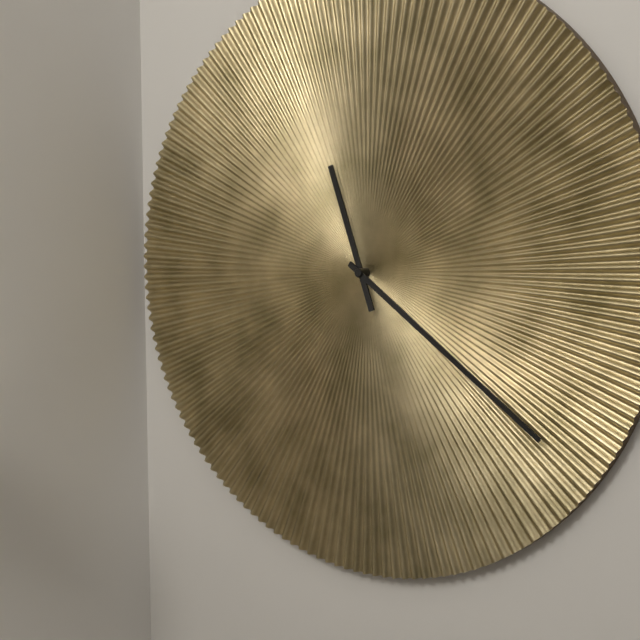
11.21
